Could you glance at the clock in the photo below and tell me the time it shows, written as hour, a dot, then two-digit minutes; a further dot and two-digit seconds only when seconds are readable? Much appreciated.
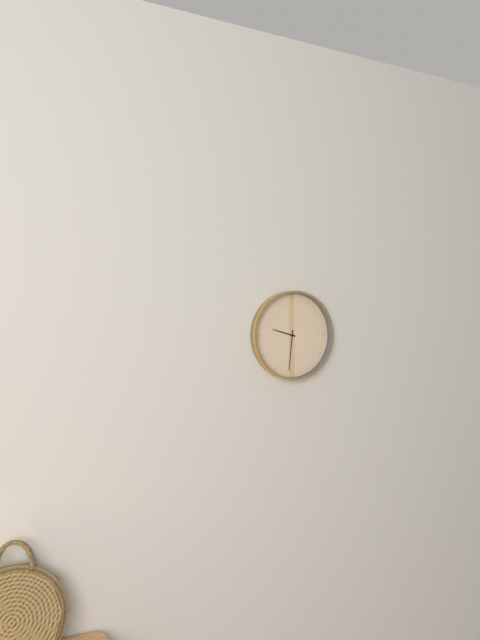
9.31
